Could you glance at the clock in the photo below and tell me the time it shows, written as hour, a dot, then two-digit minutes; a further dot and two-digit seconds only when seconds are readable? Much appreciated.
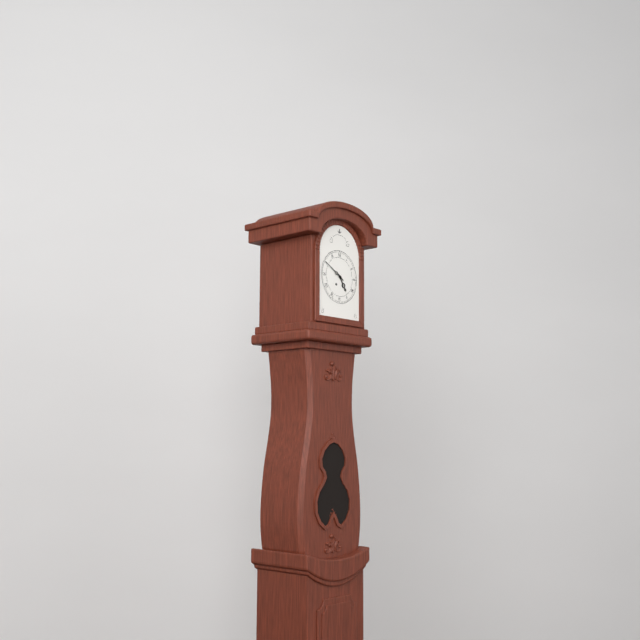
4.50
